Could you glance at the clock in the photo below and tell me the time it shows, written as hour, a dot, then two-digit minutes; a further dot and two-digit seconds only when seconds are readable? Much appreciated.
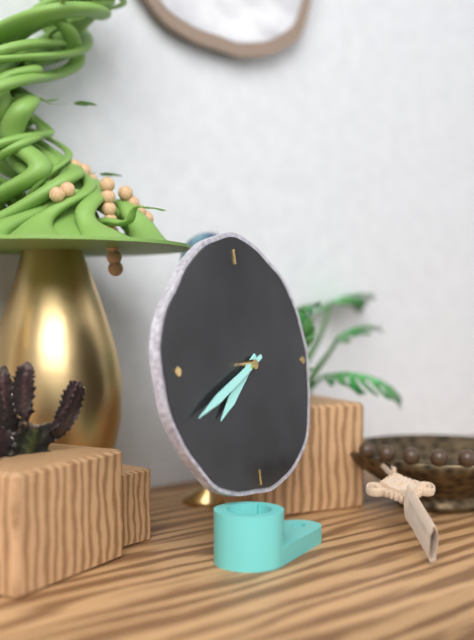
7.41
